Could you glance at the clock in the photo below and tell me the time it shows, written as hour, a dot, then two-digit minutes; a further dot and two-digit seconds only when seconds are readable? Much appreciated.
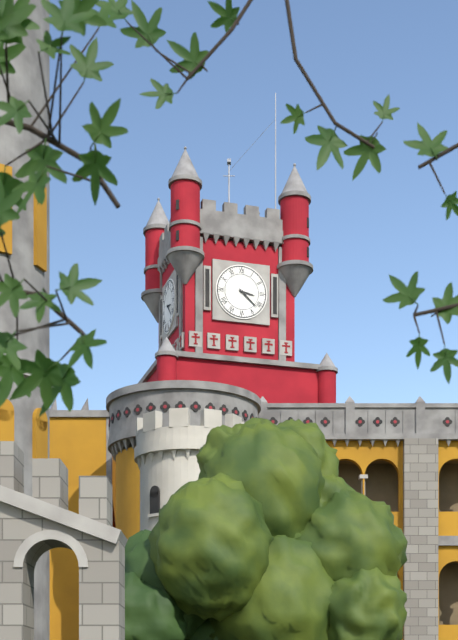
3.22
